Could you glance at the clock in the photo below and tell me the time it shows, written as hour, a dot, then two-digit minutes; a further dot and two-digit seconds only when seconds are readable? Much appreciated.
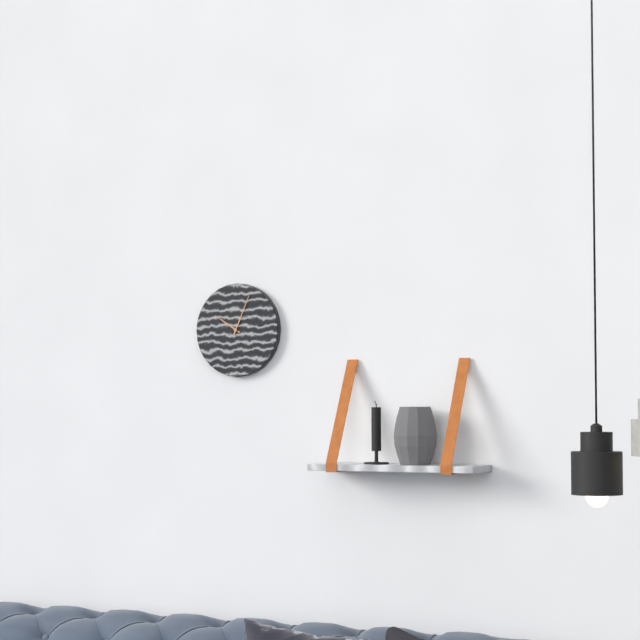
10.04
